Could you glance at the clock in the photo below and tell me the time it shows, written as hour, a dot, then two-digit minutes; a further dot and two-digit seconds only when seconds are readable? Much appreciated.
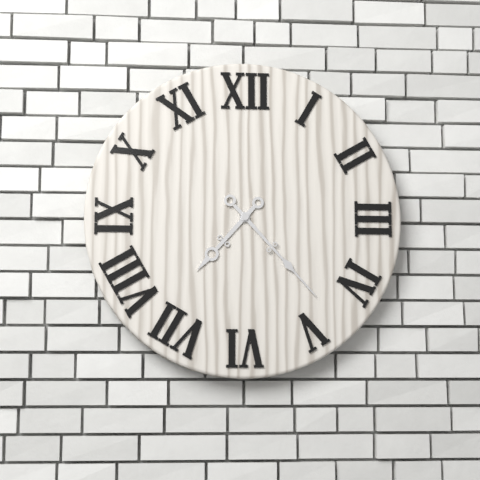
7.23
